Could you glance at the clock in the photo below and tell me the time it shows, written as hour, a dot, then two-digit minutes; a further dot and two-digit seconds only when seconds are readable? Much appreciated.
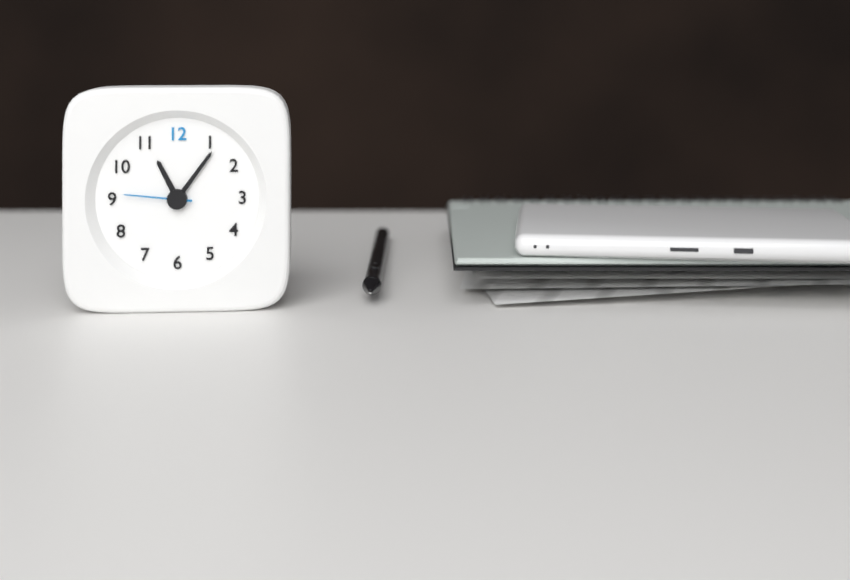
11.06.46
